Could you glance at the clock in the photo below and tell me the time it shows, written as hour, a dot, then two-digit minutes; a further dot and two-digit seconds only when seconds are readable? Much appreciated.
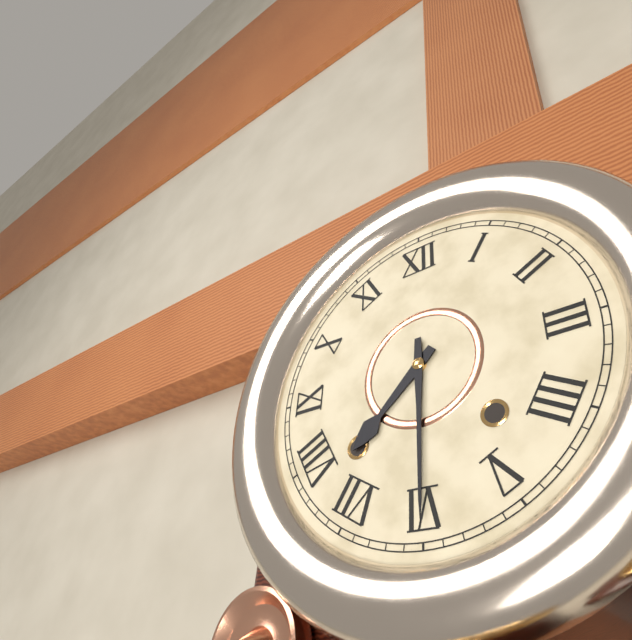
7.30
